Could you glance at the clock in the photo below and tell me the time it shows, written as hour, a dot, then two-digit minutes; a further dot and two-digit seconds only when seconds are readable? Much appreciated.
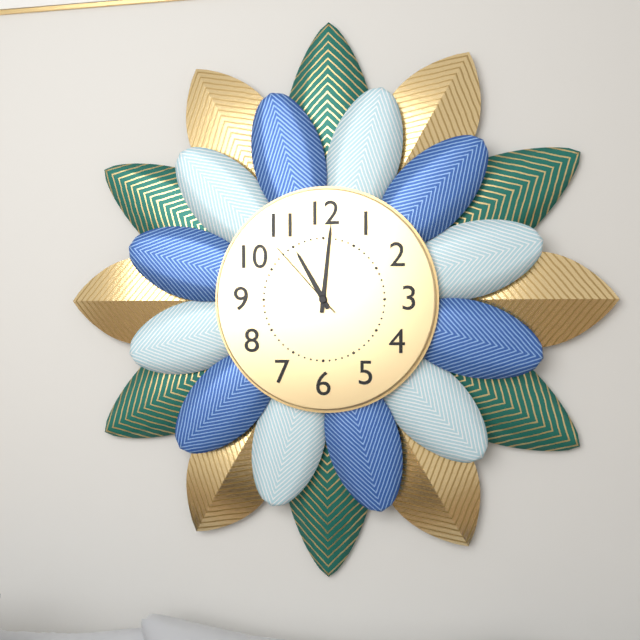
11.01.53
